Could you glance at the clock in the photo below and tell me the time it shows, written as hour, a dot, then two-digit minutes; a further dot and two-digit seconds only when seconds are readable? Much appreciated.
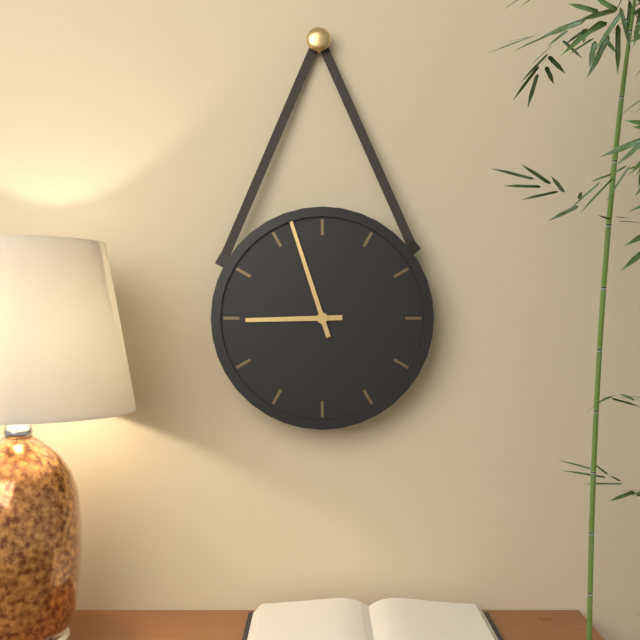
8.57
